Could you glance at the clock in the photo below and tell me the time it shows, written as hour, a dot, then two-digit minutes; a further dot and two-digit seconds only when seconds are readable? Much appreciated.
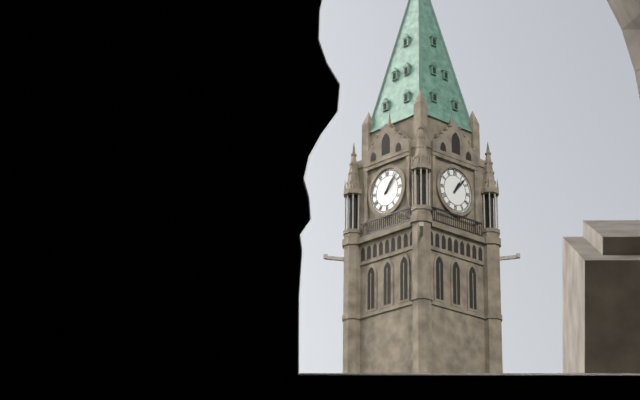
1.07
